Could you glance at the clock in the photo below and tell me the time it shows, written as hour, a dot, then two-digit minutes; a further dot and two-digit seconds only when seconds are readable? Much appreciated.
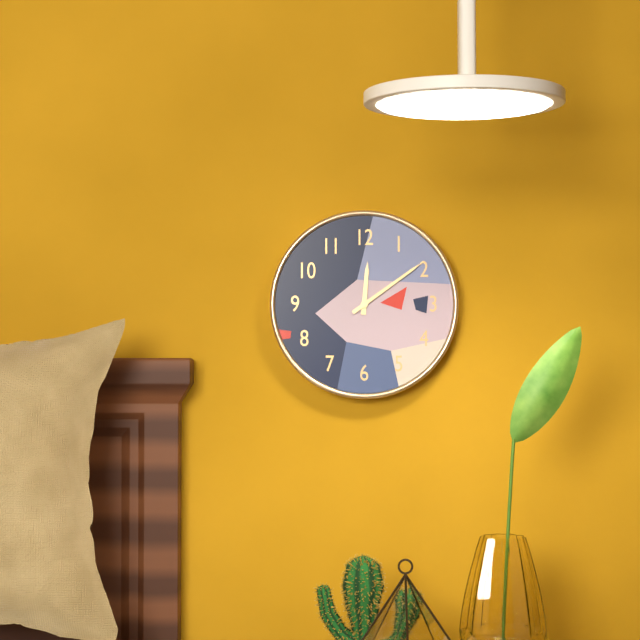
12.09
